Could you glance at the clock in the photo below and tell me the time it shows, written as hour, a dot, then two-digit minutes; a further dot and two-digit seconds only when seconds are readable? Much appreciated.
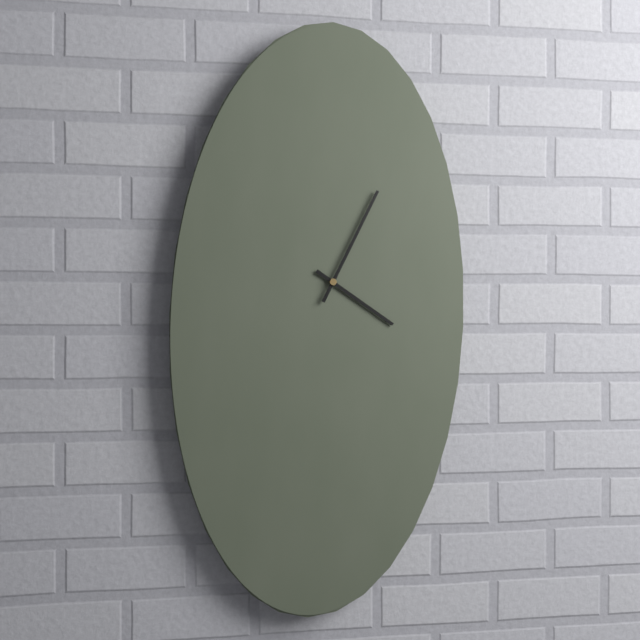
4.04
